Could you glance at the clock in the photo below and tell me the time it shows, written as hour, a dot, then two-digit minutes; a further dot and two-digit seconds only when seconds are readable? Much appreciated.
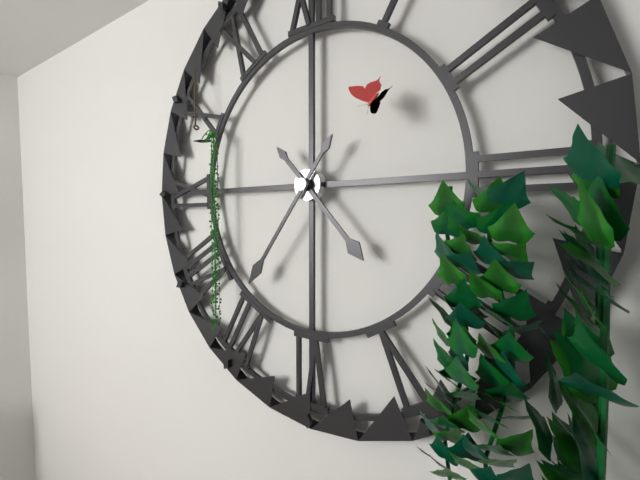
4.36
